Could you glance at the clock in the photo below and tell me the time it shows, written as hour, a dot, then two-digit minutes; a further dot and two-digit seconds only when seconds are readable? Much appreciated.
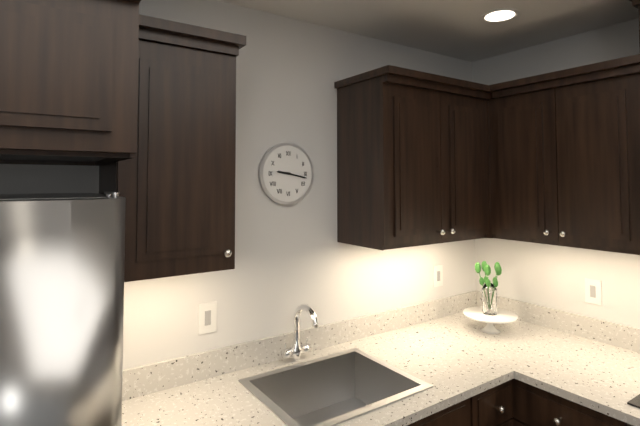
9.17
